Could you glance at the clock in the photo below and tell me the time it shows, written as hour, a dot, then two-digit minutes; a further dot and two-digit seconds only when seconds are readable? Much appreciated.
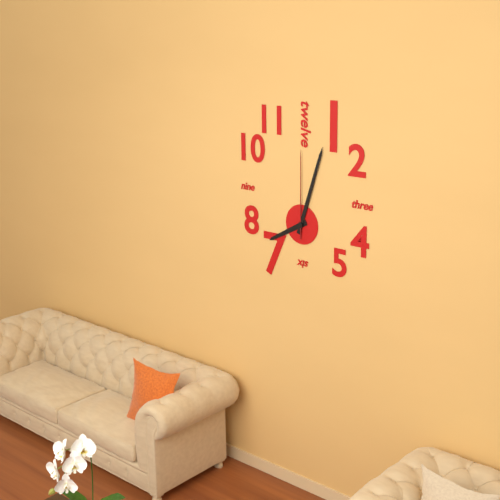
8.03.00
